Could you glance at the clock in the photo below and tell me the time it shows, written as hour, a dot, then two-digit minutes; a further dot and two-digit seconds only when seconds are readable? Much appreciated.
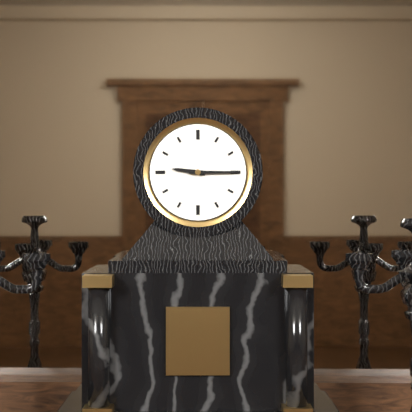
9.15
